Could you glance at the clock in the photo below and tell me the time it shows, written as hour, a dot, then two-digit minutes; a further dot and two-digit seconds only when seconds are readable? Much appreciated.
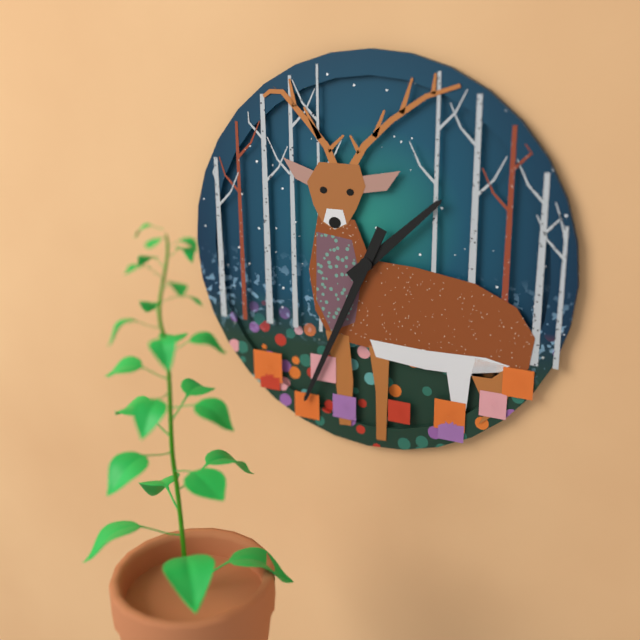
1.34
